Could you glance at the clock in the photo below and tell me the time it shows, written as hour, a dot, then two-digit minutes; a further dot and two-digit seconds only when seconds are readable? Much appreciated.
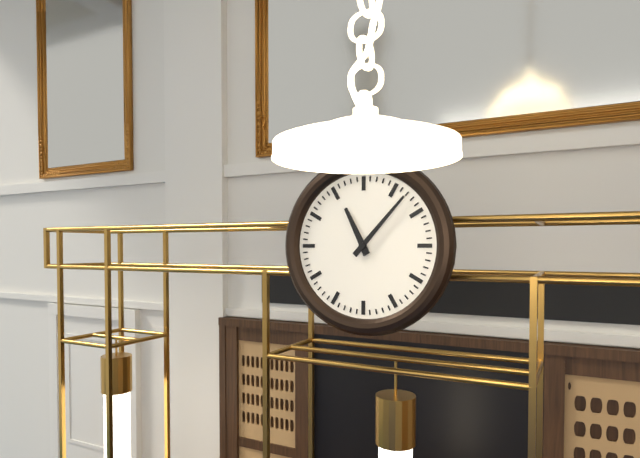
11.07
